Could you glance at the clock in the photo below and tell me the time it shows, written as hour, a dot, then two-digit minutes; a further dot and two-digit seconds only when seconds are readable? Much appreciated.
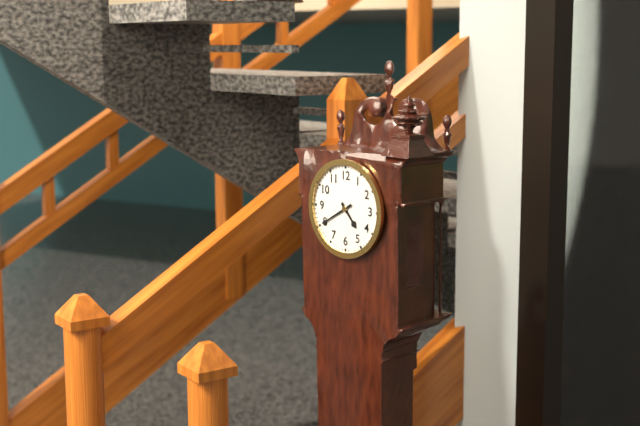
4.40
